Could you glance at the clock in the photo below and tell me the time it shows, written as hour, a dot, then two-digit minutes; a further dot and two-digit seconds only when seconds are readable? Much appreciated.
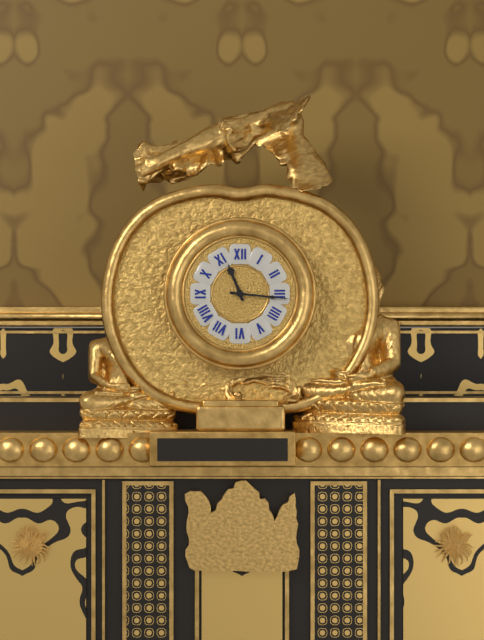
11.16
